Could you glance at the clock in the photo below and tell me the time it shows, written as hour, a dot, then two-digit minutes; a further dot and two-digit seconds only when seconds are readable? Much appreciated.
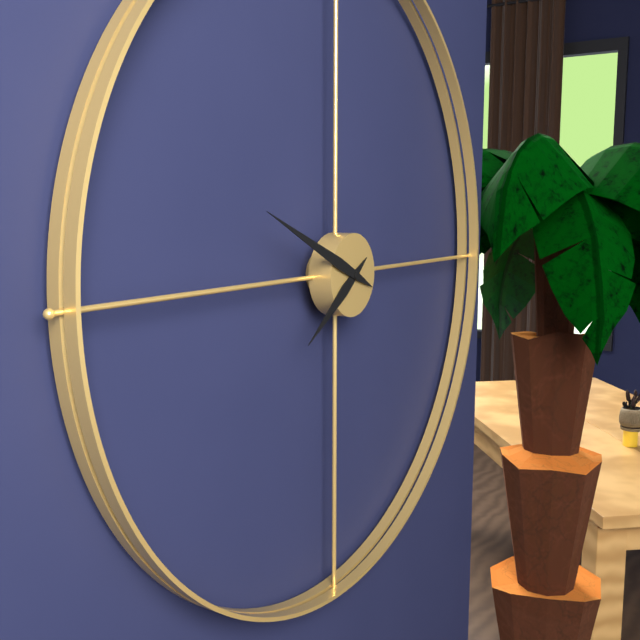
7.49
